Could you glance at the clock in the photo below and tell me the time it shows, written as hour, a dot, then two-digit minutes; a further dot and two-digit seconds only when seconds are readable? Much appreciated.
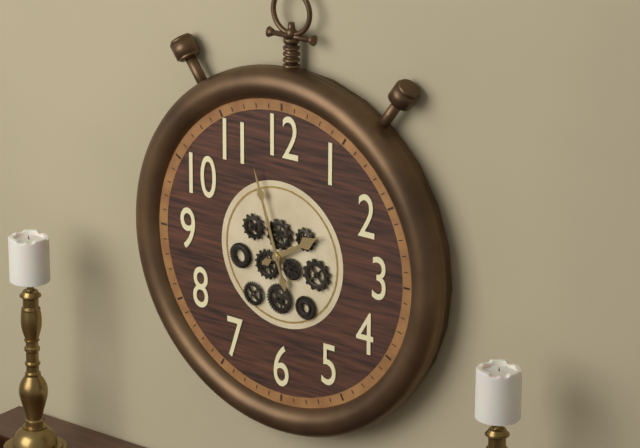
1.57
